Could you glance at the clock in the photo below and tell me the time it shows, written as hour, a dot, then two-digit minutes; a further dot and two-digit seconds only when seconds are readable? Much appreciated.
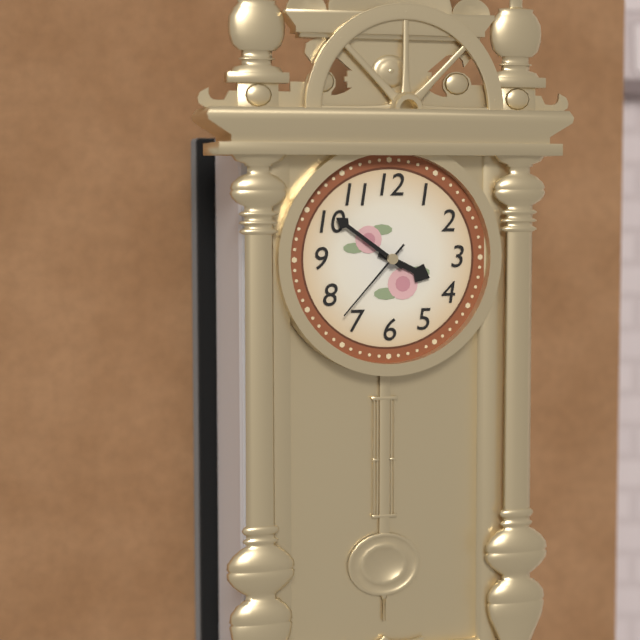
3.51.37
